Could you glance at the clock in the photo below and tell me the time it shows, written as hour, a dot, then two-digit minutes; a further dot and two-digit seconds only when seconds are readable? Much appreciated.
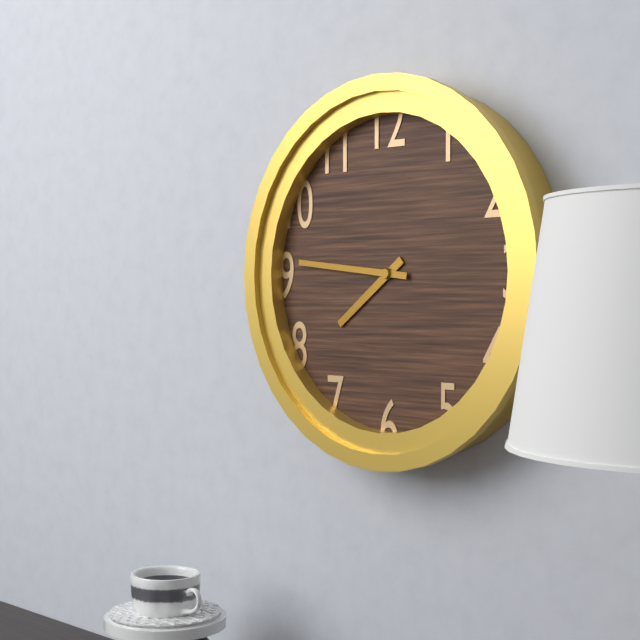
7.46
